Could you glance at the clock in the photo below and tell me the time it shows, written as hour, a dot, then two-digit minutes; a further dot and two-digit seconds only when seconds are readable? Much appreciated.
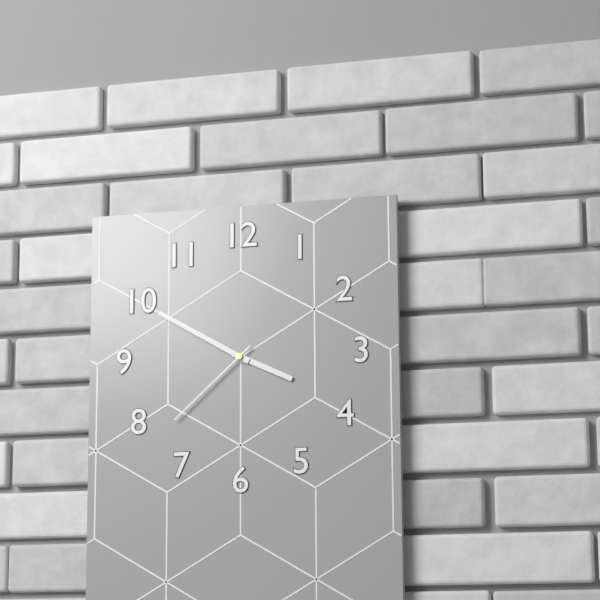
3.50.38
